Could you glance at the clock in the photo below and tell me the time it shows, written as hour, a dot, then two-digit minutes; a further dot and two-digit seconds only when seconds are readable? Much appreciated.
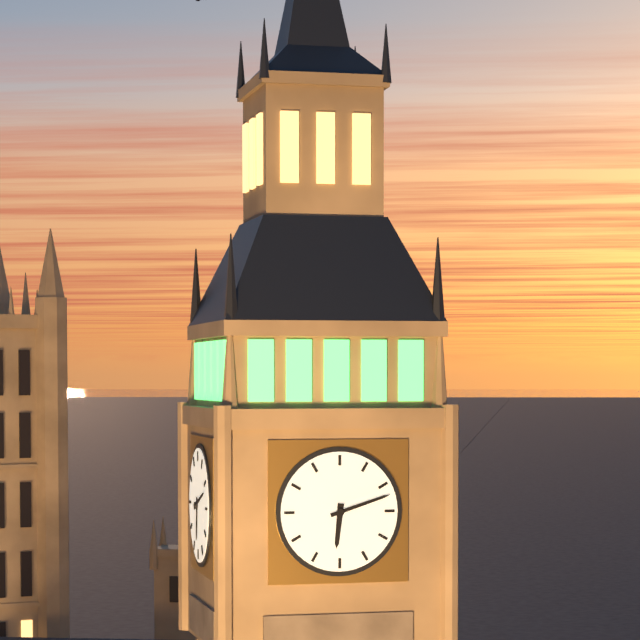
6.12
